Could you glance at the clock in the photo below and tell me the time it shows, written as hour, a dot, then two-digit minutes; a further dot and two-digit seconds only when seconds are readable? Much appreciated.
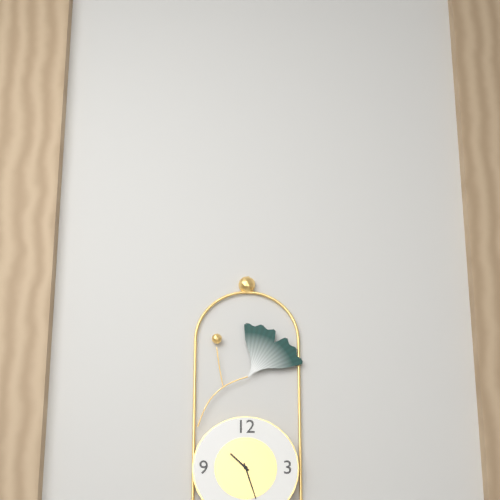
10.27
